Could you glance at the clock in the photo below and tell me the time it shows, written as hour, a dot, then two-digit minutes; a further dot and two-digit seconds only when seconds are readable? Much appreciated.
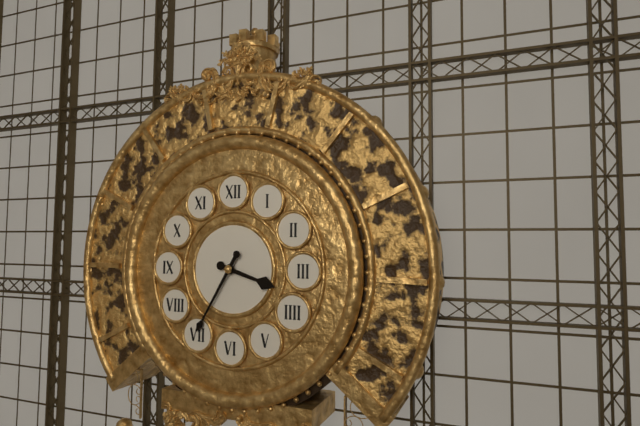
3.35
